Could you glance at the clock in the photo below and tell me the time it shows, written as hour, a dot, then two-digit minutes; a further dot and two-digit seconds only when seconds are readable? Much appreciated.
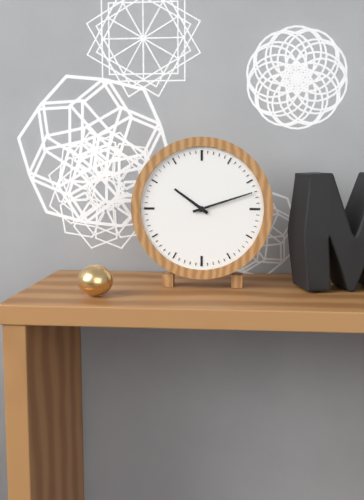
10.12
